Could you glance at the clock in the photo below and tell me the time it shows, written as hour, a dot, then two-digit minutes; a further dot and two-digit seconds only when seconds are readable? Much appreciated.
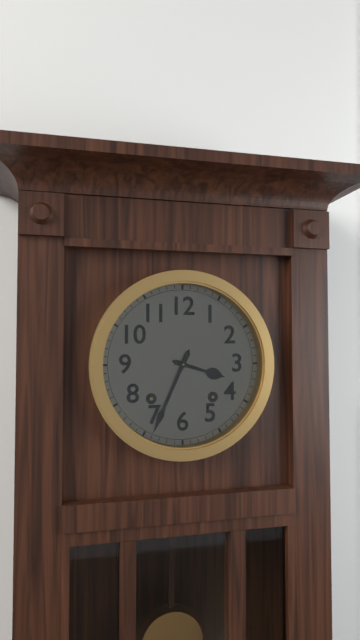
3.34
